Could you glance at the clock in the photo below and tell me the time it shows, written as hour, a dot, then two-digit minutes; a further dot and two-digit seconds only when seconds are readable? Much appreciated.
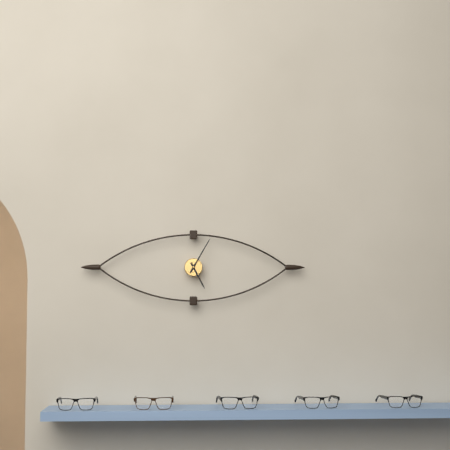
5.05
